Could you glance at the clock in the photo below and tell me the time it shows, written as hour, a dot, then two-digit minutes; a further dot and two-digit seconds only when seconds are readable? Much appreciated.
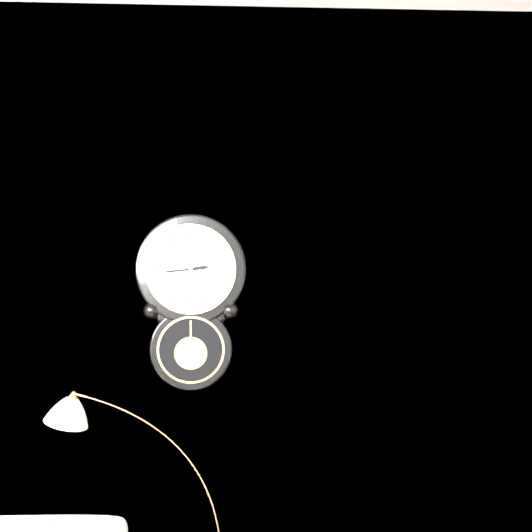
2.44
